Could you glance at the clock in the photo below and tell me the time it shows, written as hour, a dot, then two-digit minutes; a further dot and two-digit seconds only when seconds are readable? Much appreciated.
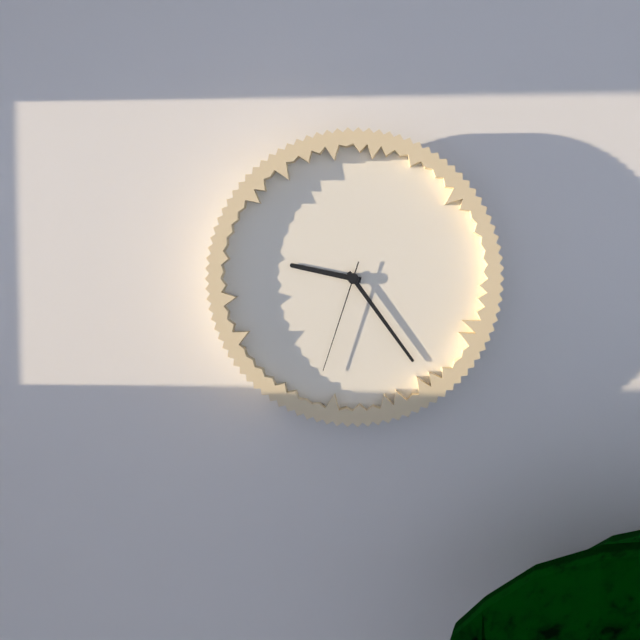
9.24.33
